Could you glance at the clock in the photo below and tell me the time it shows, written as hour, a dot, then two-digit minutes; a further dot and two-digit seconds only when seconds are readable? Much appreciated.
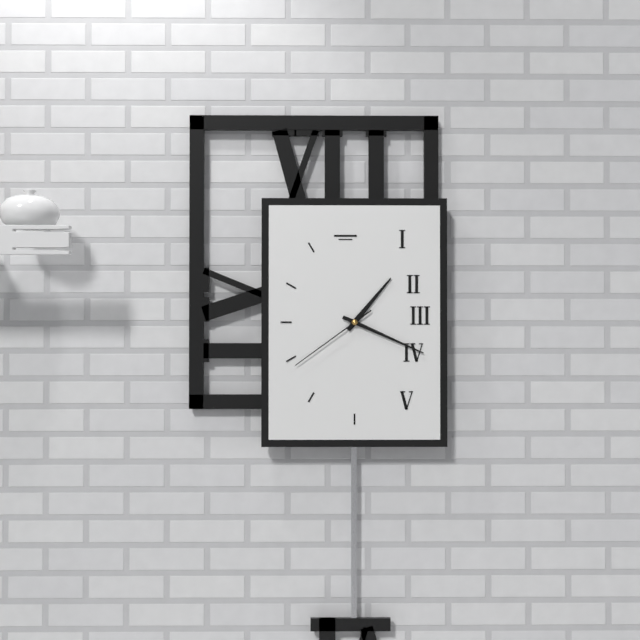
1.19.39
